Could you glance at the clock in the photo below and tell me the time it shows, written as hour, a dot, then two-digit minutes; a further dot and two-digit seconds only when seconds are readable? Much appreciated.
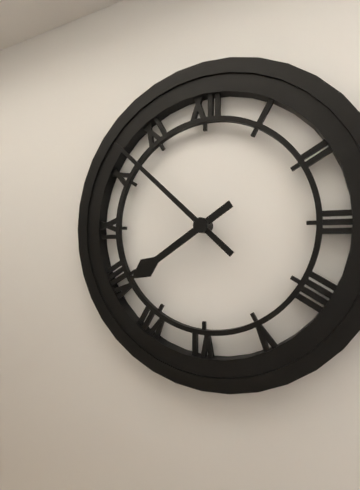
7.52
